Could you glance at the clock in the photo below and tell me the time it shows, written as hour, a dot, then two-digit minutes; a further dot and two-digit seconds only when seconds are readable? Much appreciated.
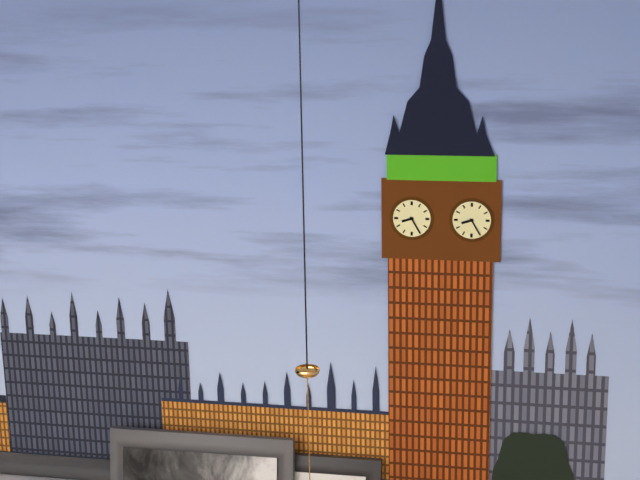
8.25
